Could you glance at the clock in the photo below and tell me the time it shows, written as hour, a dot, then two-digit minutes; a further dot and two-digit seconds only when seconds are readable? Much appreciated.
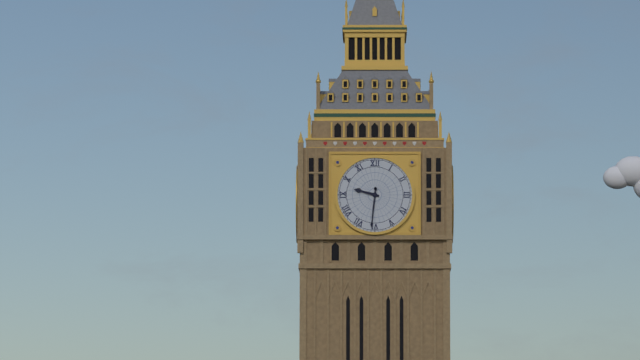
9.31
